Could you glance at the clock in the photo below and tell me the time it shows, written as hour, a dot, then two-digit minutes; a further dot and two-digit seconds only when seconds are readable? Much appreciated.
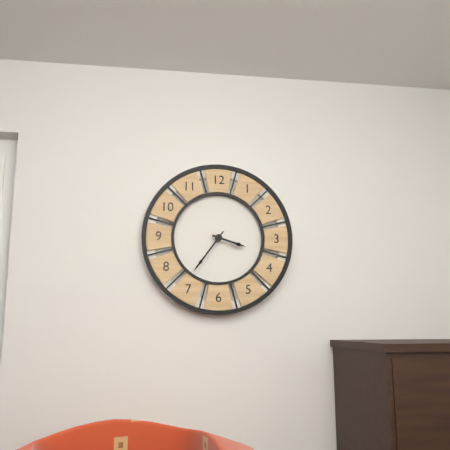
3.36
